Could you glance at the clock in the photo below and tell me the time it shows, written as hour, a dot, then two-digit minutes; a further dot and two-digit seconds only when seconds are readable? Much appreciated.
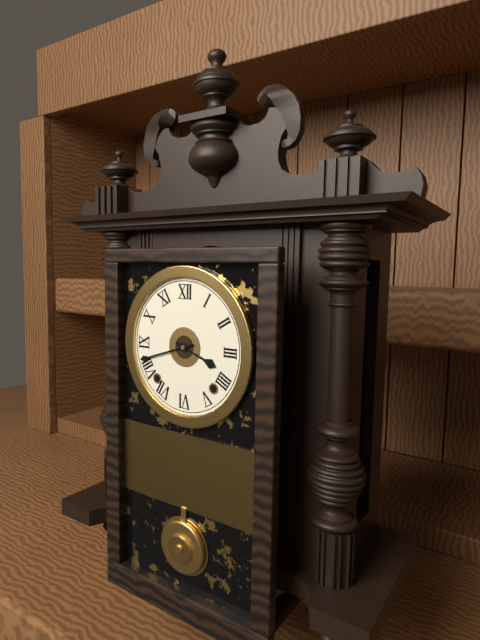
3.42
